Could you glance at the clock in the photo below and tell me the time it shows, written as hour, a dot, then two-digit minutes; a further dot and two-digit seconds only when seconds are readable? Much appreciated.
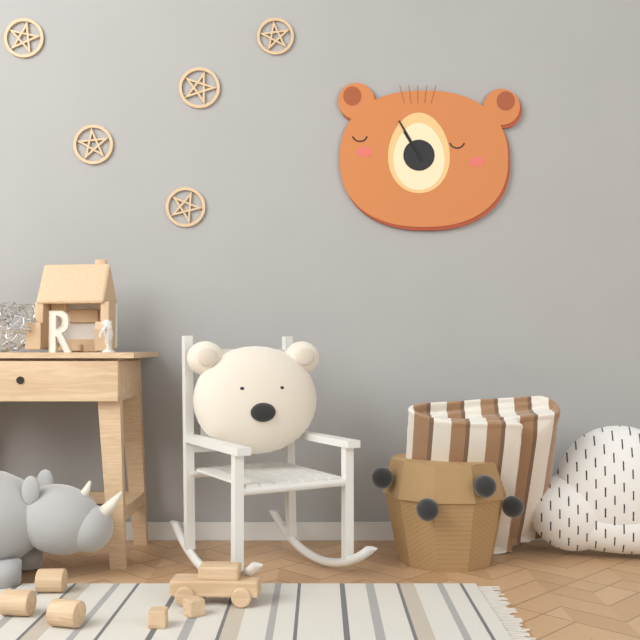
10.55
